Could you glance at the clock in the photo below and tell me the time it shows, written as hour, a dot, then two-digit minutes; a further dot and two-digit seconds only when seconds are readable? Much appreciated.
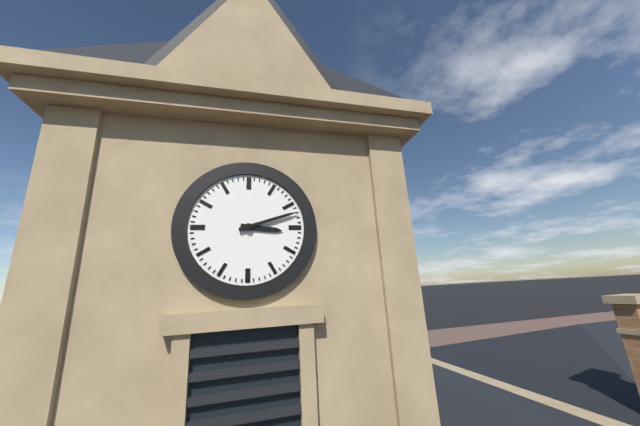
3.12
